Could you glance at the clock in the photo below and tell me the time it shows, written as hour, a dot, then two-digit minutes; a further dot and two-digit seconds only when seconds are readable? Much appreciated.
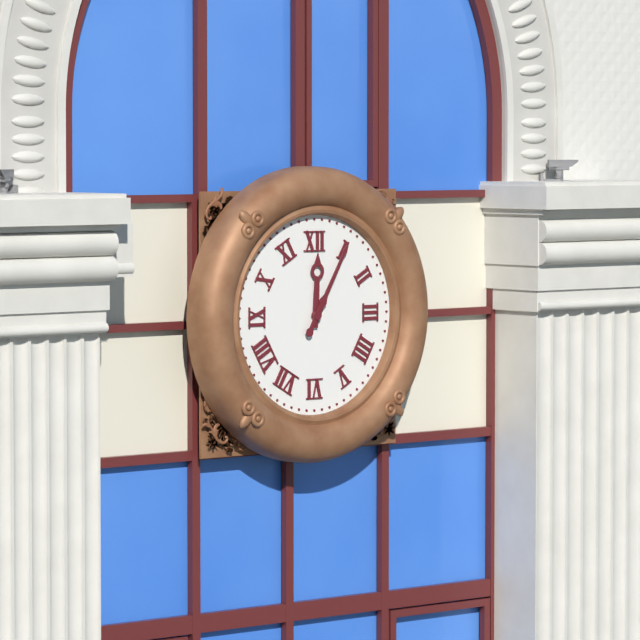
12.05
